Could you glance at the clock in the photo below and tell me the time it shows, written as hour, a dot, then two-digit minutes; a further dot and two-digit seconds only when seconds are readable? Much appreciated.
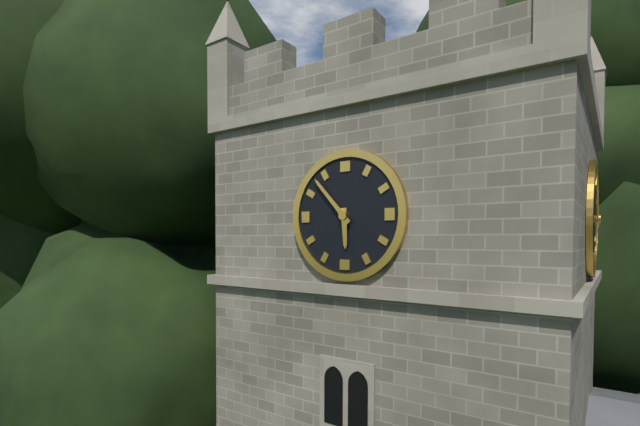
5.53
